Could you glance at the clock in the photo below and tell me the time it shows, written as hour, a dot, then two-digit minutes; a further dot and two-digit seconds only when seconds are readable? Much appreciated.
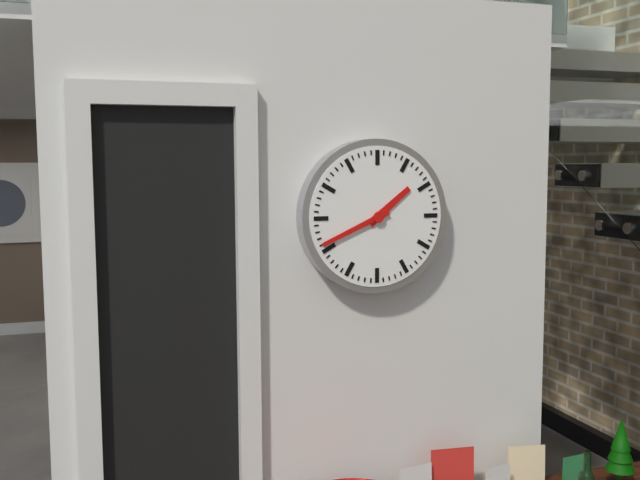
1.41
